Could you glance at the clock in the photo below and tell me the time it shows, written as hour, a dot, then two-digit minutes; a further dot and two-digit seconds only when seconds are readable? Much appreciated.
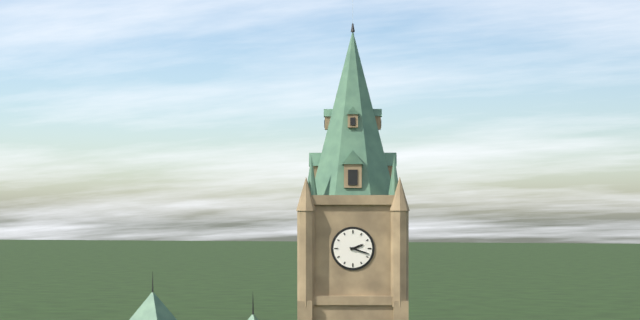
2.18
